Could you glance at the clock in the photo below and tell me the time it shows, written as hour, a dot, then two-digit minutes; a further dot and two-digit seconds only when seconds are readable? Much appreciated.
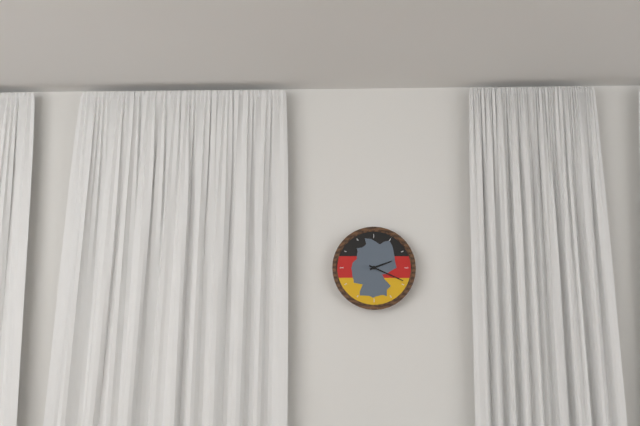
2.19
